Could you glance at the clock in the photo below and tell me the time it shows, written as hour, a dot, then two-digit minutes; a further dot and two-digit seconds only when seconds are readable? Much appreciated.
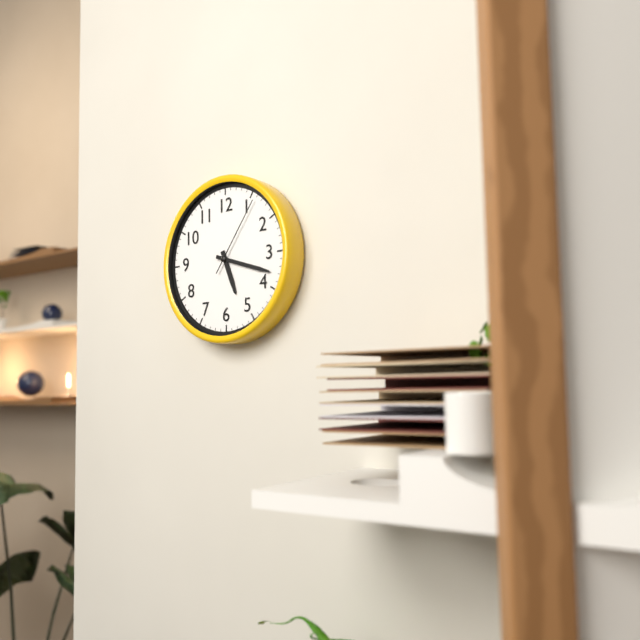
5.18.06
